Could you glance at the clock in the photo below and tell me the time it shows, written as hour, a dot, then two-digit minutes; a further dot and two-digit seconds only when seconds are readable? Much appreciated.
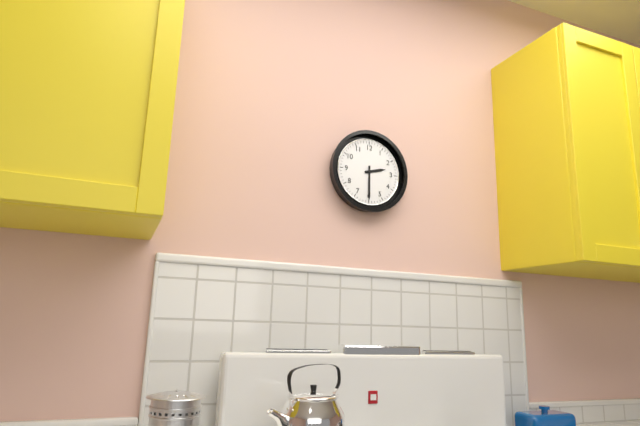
2.30
